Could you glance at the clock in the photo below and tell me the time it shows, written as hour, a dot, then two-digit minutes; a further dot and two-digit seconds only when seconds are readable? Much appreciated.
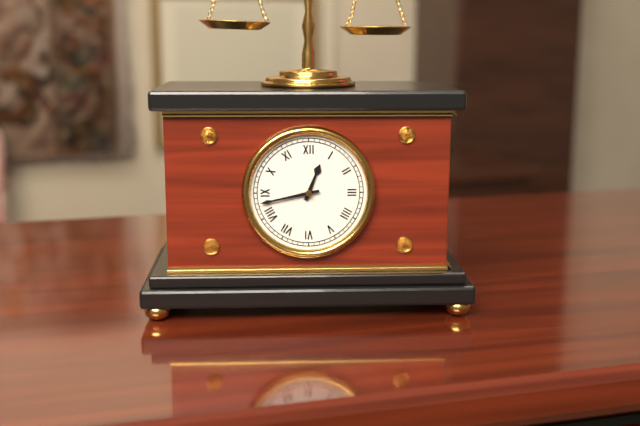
12.43
